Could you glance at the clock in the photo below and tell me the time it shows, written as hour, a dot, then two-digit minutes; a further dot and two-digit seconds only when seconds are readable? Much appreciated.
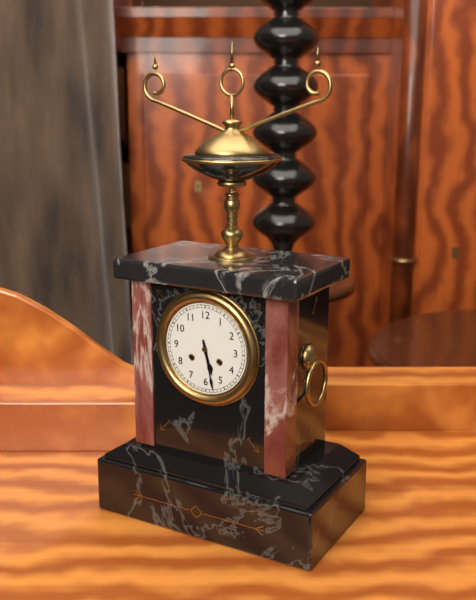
5.28
